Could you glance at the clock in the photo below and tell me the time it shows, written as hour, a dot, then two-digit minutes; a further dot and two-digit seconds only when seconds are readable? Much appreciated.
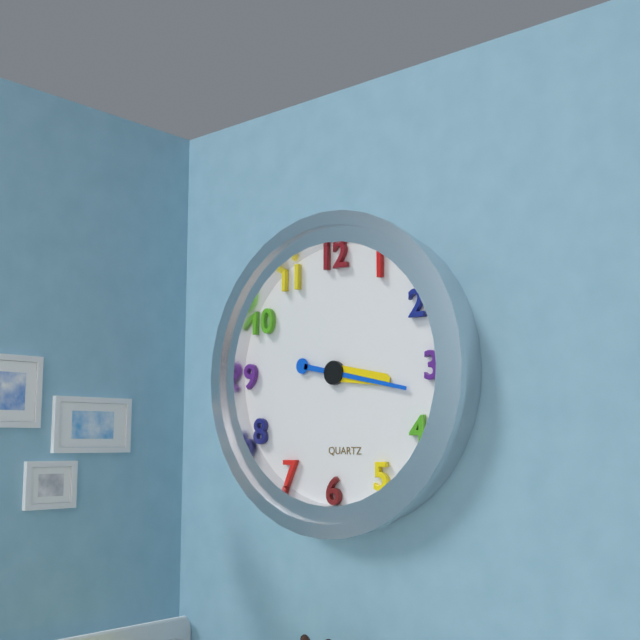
3.17
